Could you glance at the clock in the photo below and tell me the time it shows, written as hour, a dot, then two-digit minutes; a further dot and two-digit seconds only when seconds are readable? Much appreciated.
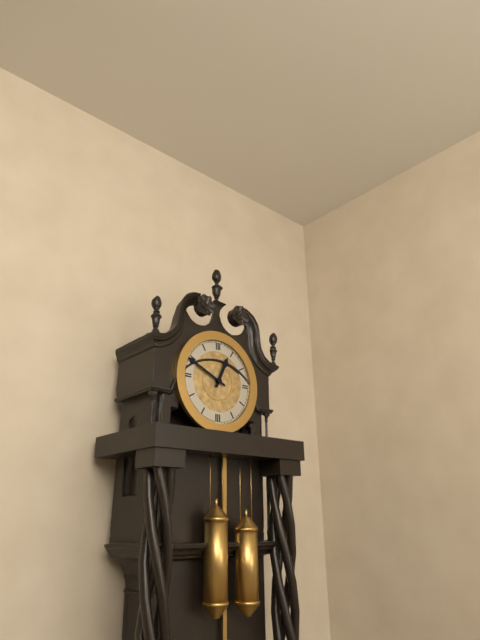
12.49
